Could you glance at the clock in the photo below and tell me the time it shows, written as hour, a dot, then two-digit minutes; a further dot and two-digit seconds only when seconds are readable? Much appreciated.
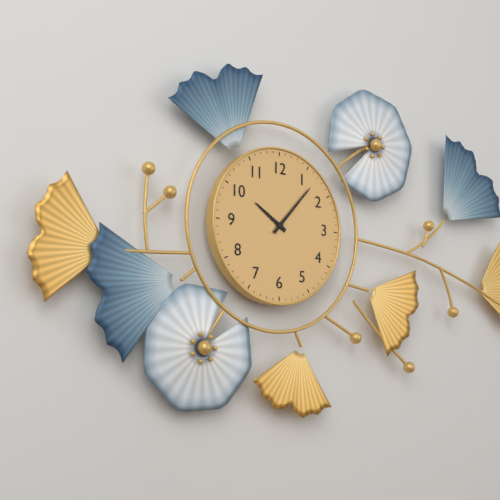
10.07
